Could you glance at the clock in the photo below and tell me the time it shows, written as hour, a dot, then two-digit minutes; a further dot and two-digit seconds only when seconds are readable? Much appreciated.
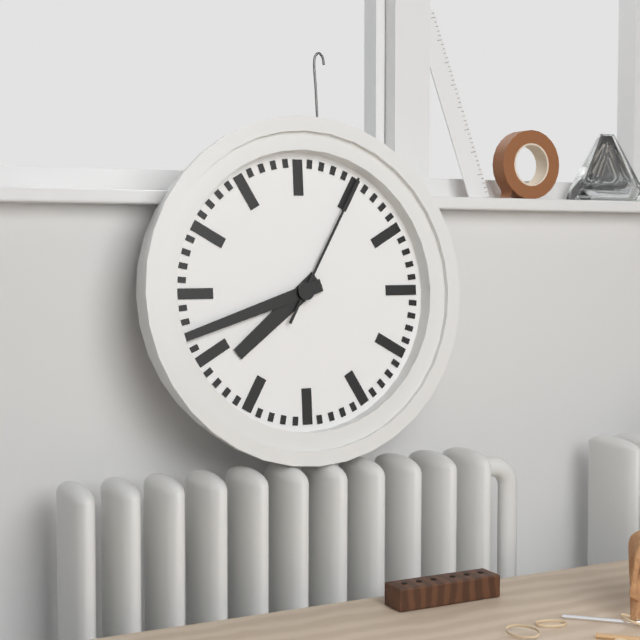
7.42.05
